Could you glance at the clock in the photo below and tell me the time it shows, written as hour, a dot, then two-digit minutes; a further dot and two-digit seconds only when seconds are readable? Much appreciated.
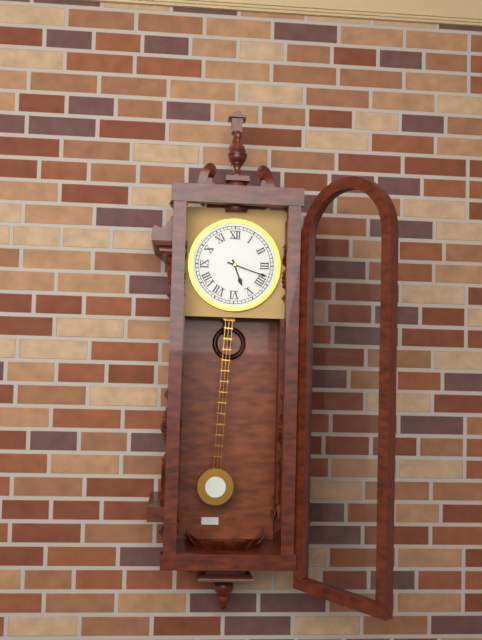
5.18
